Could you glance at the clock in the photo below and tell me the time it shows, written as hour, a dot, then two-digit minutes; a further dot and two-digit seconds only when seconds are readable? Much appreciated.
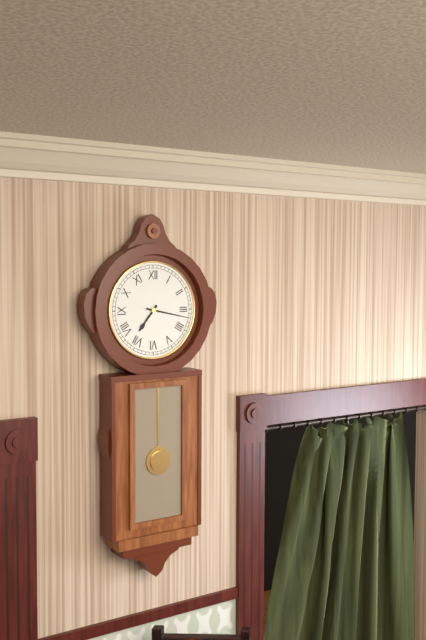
7.17
